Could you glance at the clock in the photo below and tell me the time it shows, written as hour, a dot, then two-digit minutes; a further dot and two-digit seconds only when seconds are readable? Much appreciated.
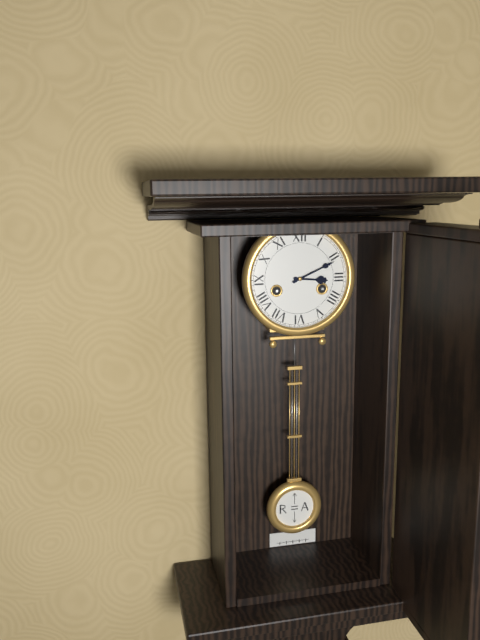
3.11
